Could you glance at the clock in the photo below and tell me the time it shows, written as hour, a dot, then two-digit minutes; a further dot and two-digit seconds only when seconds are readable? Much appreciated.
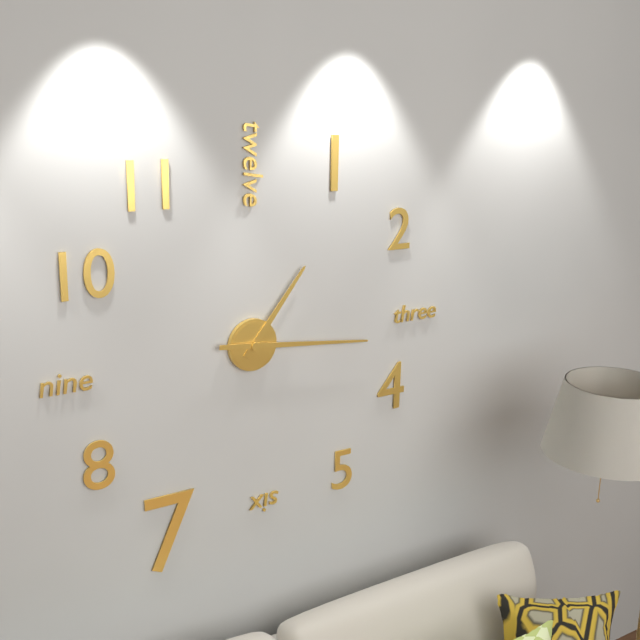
1.16
